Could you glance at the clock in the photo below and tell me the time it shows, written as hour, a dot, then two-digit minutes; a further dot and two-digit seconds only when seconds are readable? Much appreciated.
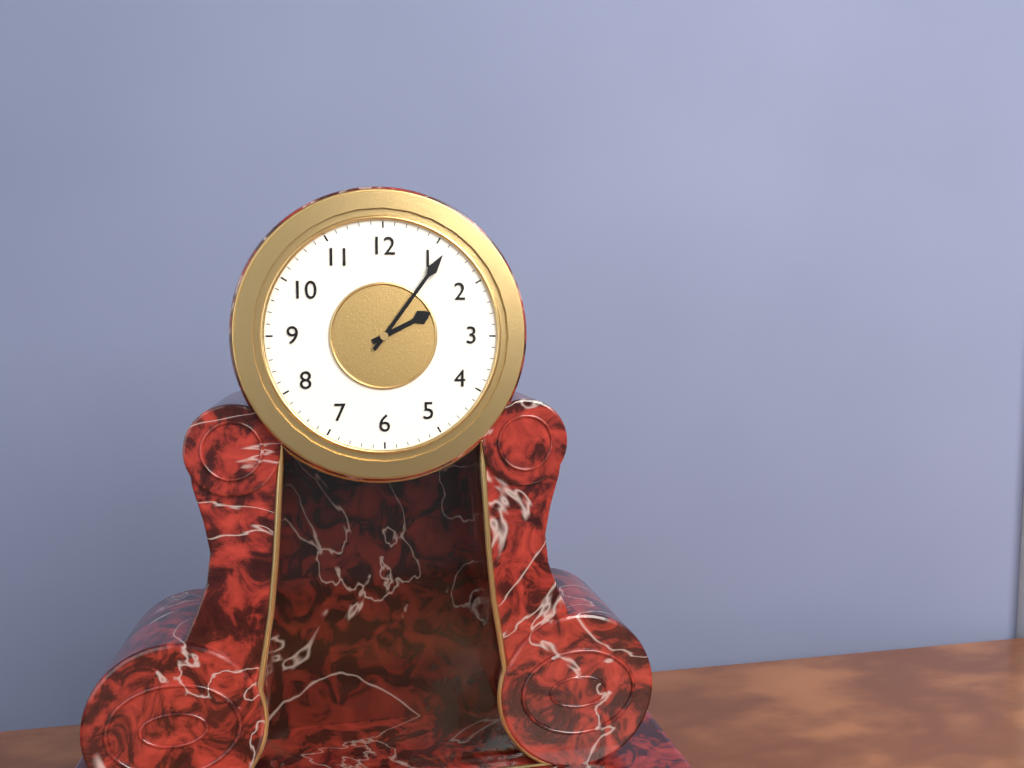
2.06
